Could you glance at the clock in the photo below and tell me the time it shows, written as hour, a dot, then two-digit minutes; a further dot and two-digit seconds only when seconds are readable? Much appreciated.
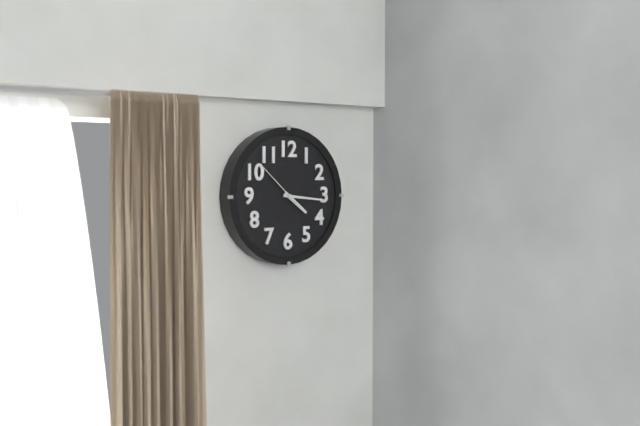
4.16
